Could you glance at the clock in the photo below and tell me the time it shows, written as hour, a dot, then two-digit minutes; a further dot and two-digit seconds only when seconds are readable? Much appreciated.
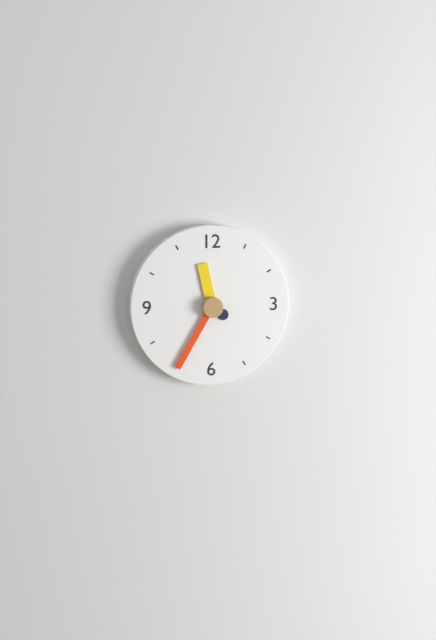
11.35
